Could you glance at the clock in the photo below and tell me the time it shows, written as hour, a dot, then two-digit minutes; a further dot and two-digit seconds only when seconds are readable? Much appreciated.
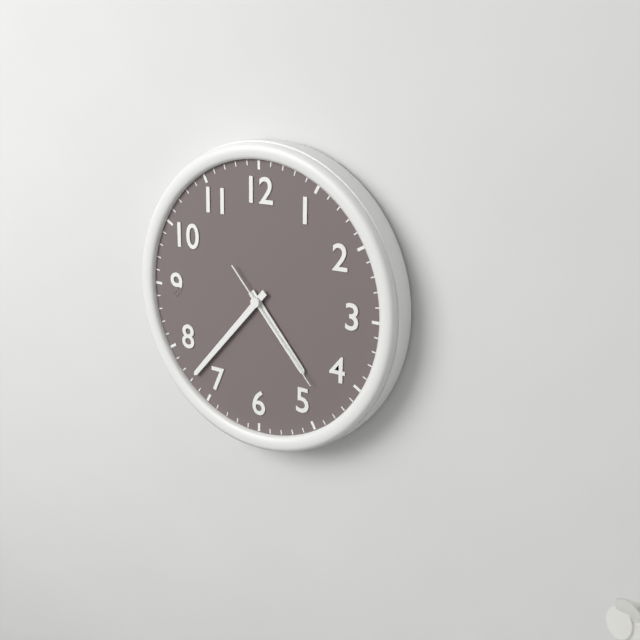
4.37.23
